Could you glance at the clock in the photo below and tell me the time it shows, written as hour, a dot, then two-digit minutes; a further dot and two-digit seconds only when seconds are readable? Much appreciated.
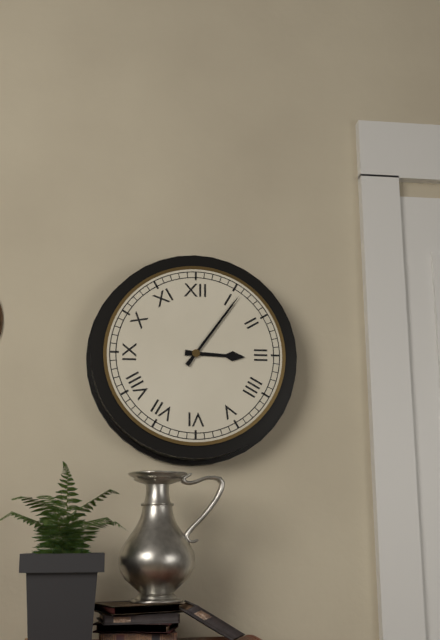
3.06
